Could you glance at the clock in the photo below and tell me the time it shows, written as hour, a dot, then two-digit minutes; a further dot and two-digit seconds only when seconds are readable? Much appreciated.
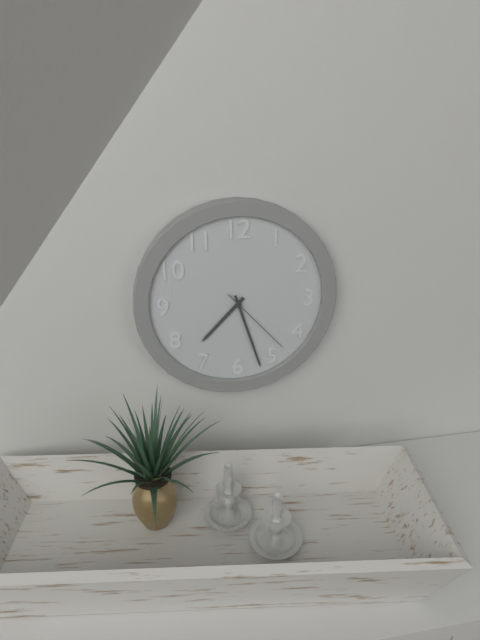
7.27.23
